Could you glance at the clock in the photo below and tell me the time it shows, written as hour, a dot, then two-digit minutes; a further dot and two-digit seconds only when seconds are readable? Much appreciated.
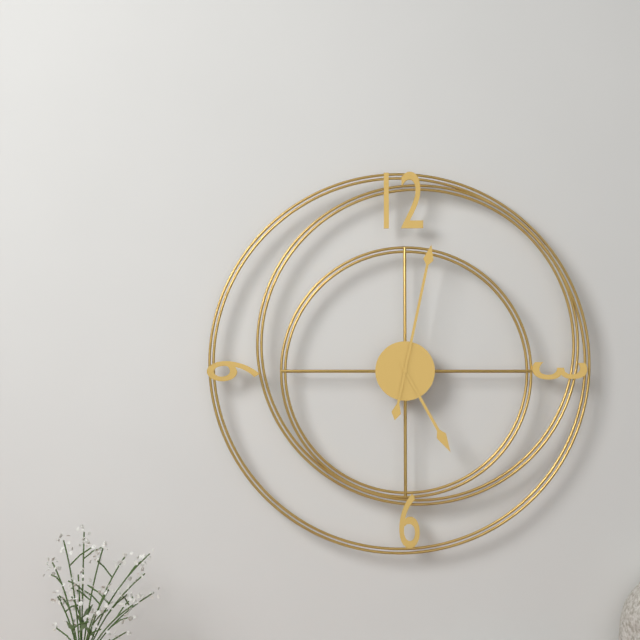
5.02
